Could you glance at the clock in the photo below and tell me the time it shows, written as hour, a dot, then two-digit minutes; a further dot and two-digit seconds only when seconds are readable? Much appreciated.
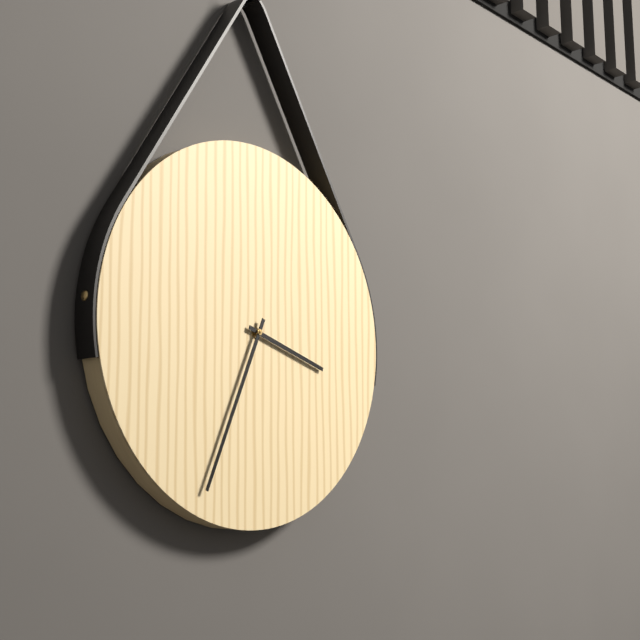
3.34
